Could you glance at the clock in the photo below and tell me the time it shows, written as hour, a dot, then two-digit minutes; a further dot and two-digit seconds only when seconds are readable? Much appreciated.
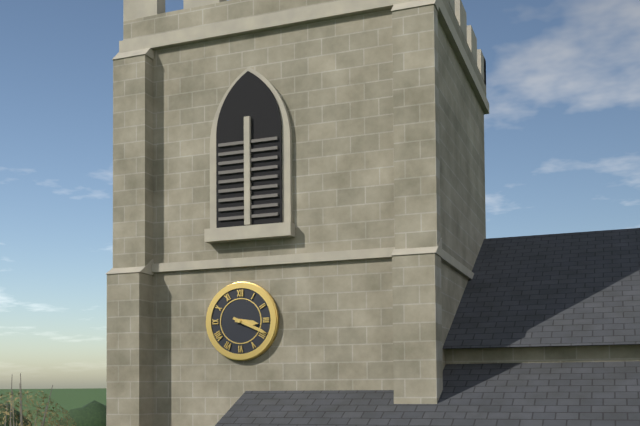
3.19
